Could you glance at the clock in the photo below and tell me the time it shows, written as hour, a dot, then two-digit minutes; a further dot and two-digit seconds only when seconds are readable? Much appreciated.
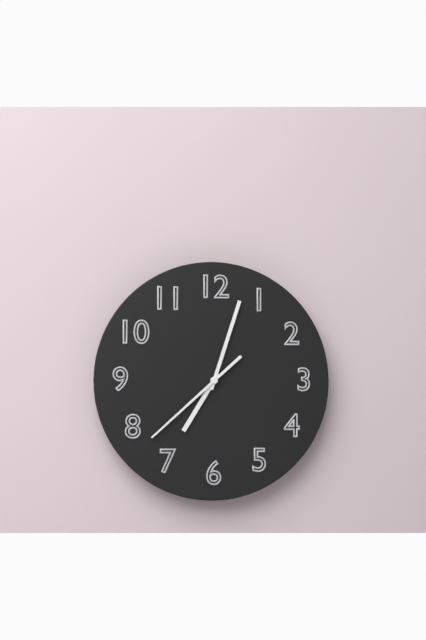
7.03.38
